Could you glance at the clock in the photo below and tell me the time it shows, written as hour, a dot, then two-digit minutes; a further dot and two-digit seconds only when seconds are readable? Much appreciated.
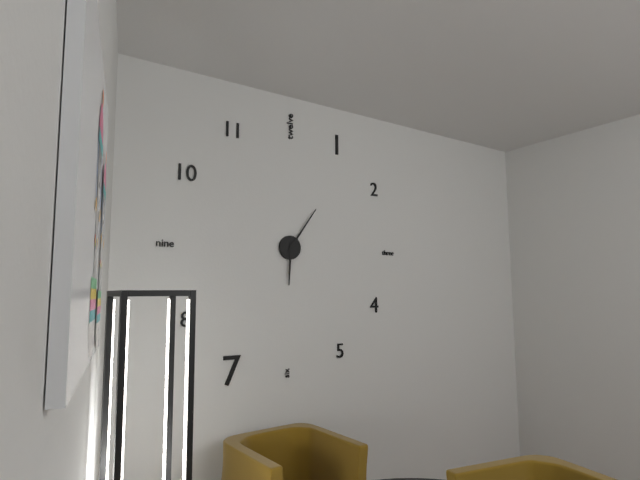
6.06
